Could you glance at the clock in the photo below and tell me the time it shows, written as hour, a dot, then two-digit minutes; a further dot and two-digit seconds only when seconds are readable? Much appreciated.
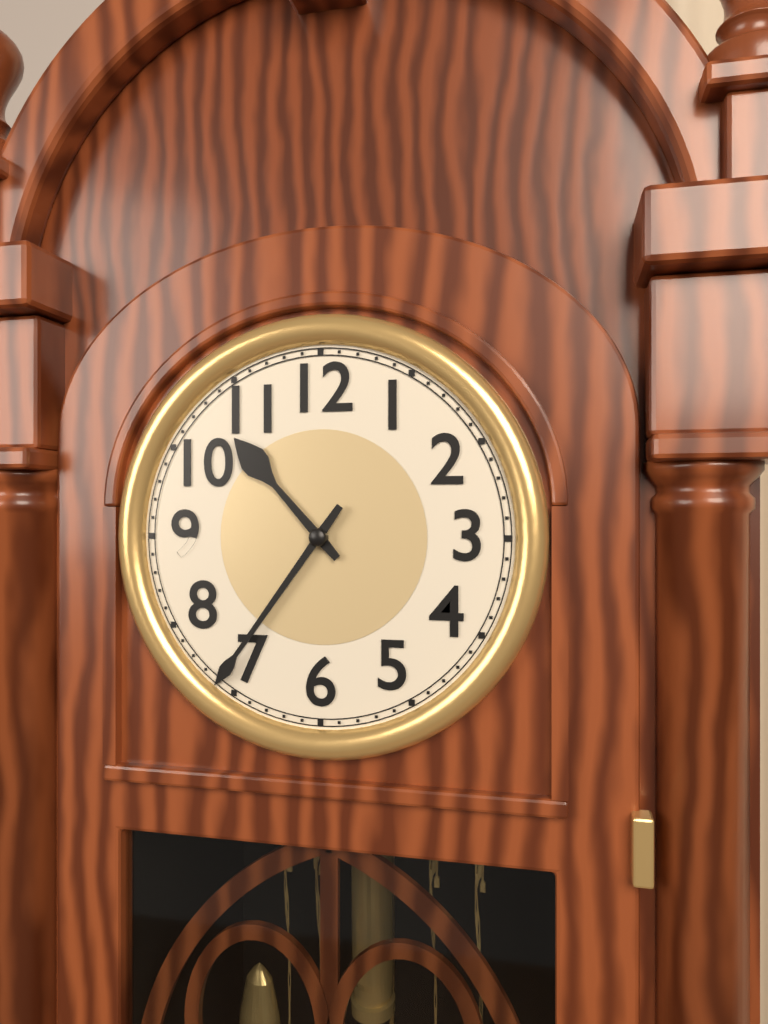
10.36
